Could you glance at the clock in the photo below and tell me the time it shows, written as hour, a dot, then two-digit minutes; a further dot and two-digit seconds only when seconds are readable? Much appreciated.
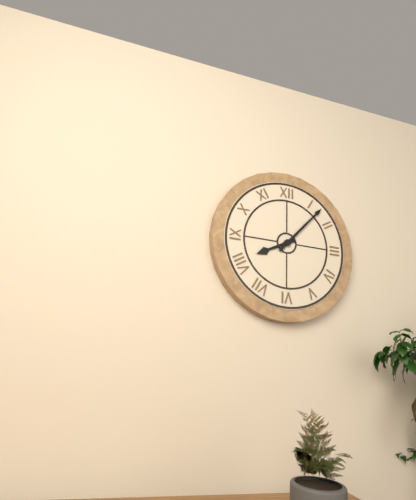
8.07
